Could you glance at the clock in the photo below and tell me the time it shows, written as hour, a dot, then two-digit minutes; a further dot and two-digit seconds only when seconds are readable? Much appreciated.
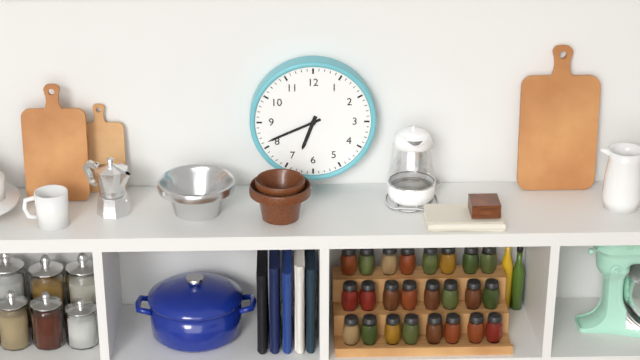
6.41
